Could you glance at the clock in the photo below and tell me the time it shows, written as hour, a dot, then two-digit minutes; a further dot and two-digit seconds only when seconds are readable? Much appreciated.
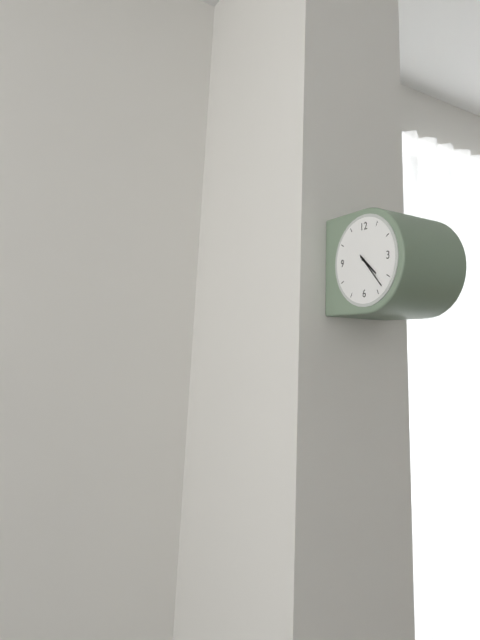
4.23
